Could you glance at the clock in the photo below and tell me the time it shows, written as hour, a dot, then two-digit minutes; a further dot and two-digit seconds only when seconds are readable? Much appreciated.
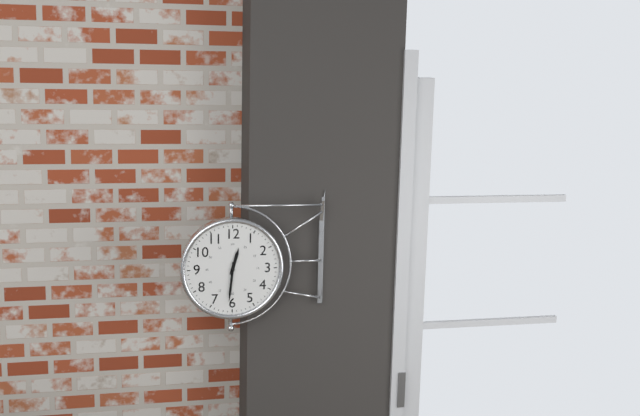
12.31
